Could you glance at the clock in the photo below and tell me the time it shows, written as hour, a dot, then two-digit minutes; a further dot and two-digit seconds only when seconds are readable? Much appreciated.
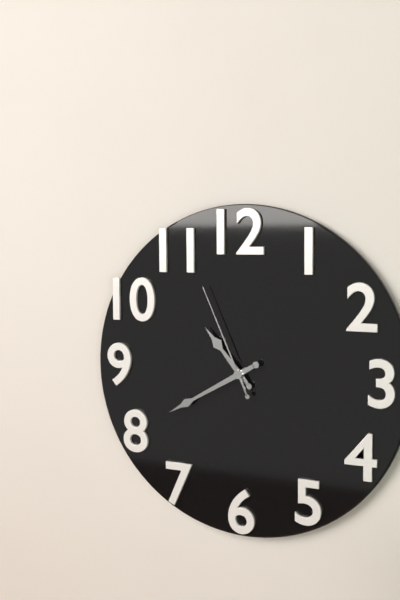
10.40.56
